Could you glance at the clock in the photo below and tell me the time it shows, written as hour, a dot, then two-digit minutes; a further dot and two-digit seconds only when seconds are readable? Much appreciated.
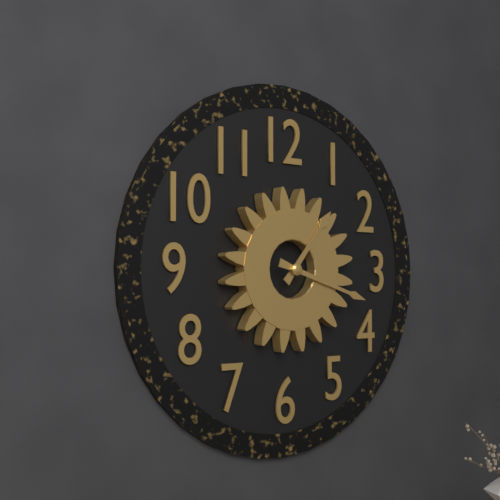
1.18
